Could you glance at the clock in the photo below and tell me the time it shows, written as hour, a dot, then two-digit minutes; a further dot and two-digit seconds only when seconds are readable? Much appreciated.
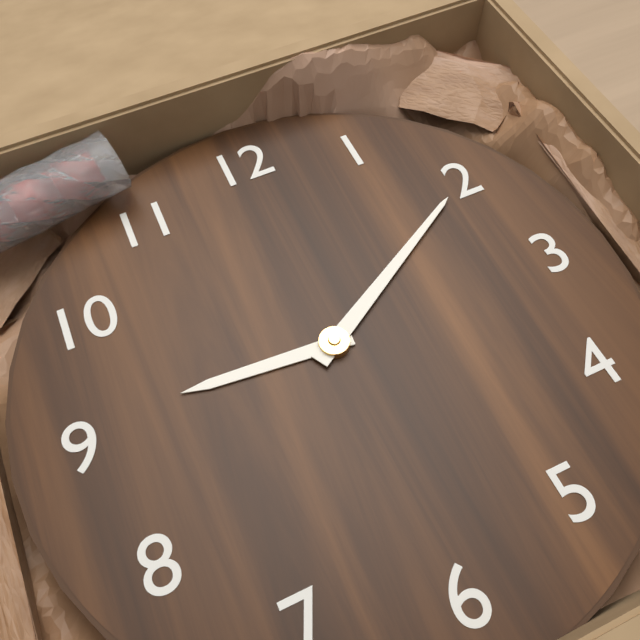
9.10
